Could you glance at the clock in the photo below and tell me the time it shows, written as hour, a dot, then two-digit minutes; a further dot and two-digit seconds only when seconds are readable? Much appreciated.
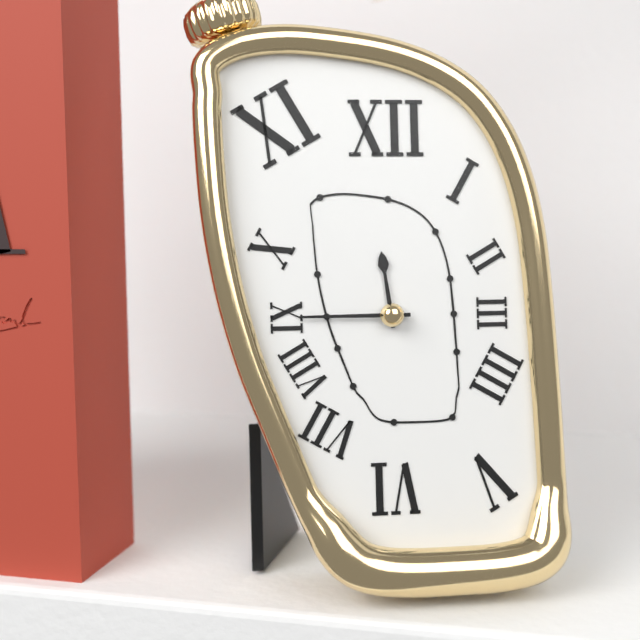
11.45
